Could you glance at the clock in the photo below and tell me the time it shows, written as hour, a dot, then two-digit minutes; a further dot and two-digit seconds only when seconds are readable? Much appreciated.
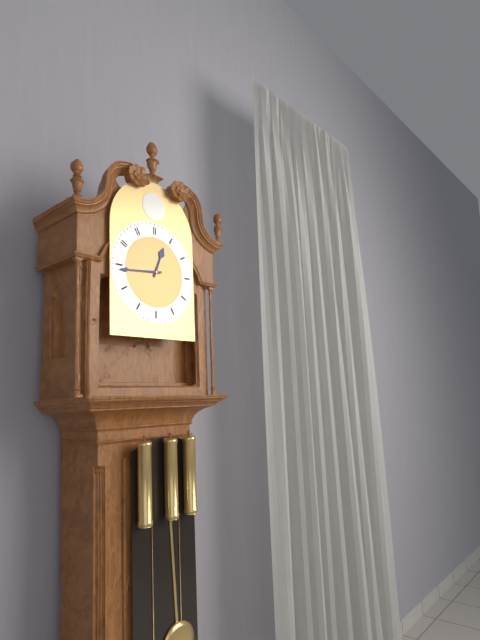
12.44
